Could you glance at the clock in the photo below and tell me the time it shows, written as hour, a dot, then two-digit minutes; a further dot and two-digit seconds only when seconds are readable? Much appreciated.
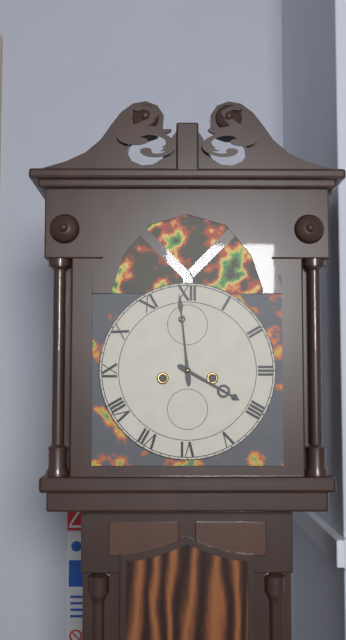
3.59
